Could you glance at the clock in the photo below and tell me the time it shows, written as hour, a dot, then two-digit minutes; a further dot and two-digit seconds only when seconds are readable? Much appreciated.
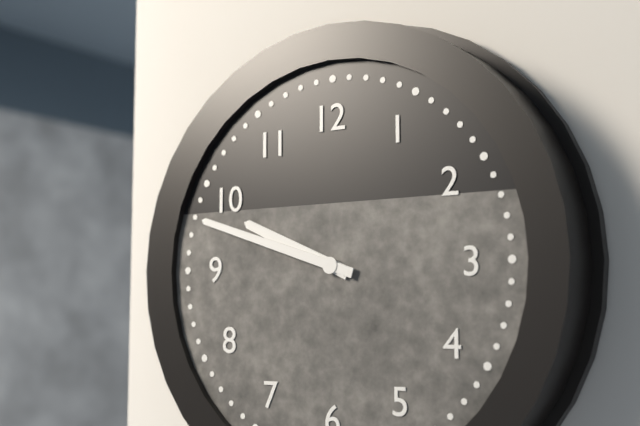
9.48
